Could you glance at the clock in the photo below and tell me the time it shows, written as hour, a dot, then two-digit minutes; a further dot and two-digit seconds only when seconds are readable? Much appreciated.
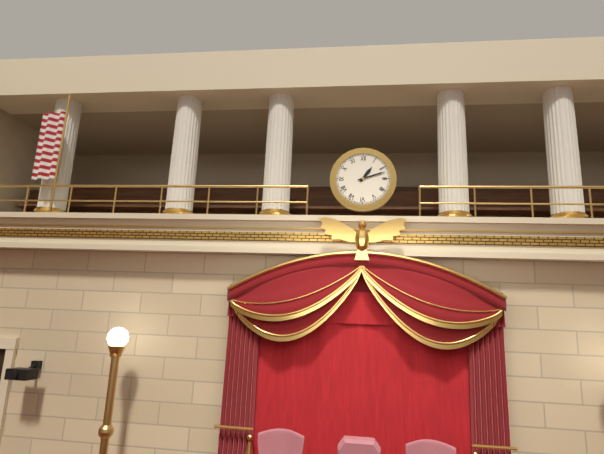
1.12
